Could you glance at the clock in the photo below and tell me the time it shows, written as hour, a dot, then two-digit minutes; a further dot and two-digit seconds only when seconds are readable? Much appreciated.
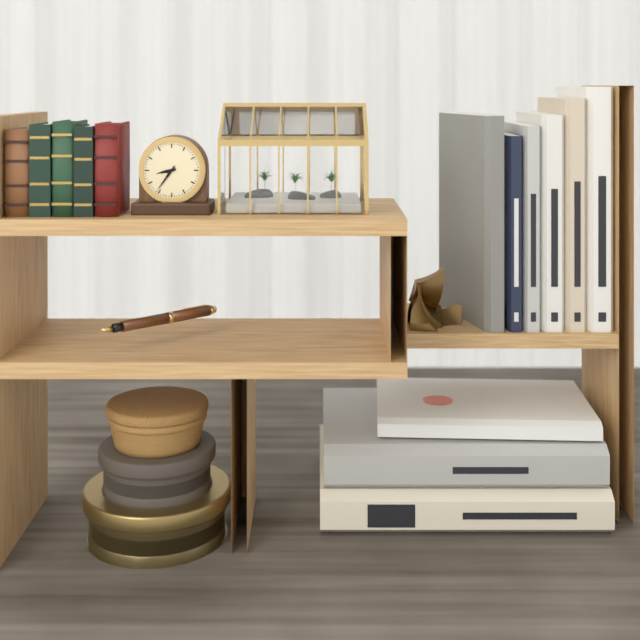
8.36
